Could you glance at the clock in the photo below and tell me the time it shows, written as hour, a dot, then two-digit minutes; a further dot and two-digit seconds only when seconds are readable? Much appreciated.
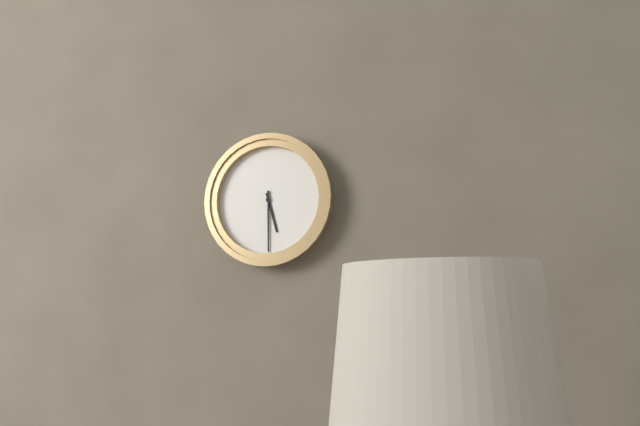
5.30
